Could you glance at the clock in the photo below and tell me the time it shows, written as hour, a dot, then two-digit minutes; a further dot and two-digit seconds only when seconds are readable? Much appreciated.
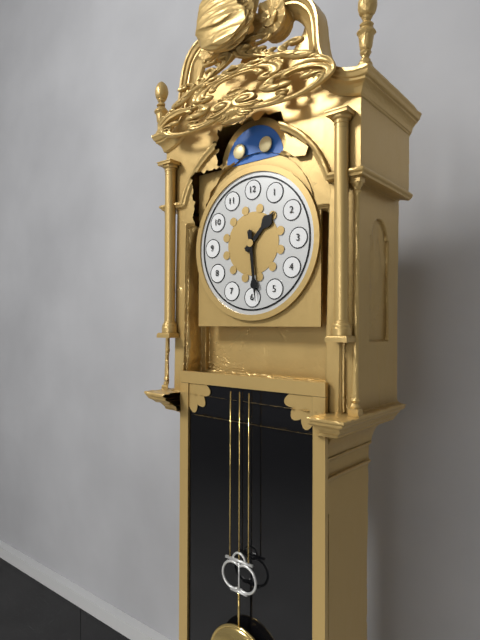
1.29
